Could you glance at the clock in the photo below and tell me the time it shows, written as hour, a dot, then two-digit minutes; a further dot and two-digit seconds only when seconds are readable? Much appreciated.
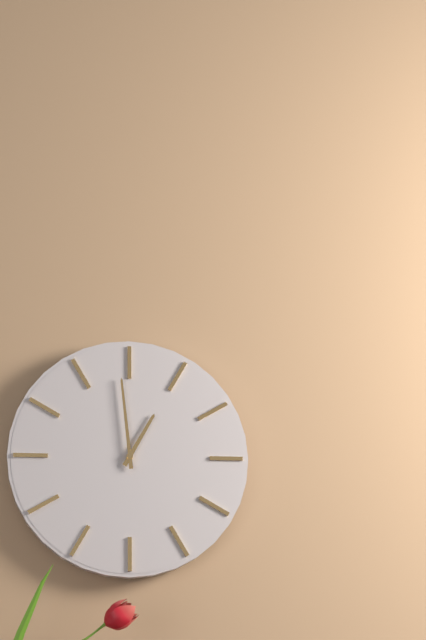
12.59
